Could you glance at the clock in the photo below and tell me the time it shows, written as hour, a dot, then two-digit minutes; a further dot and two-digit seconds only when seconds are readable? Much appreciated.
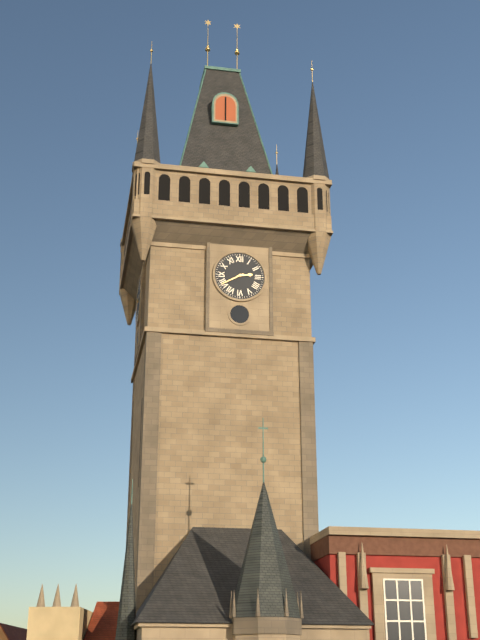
2.40
